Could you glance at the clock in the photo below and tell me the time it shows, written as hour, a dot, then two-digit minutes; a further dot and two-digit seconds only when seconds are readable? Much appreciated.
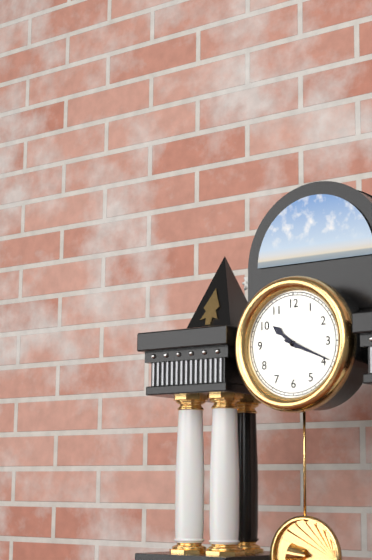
10.19
